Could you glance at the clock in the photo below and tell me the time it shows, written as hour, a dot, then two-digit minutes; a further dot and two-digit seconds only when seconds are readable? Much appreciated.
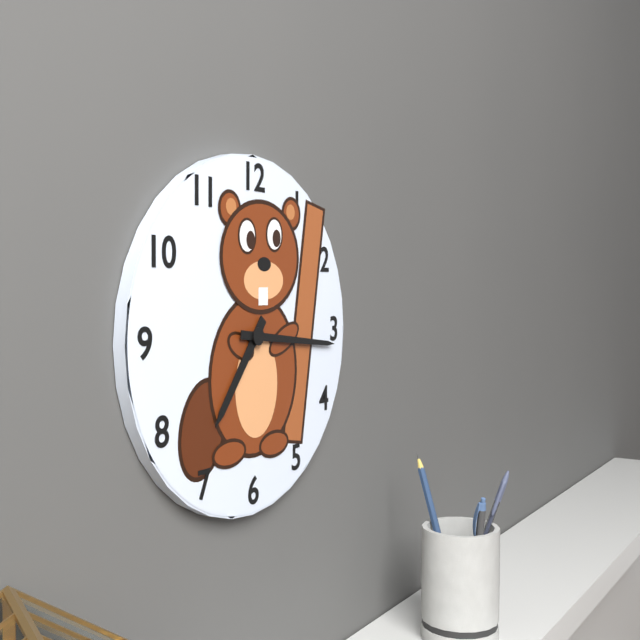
7.16
